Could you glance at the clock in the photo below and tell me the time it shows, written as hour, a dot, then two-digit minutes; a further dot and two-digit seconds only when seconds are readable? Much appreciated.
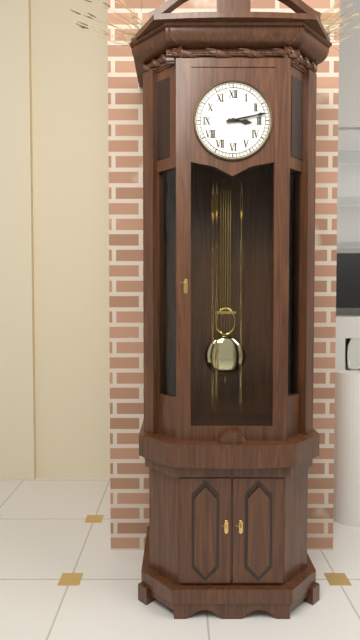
3.13
